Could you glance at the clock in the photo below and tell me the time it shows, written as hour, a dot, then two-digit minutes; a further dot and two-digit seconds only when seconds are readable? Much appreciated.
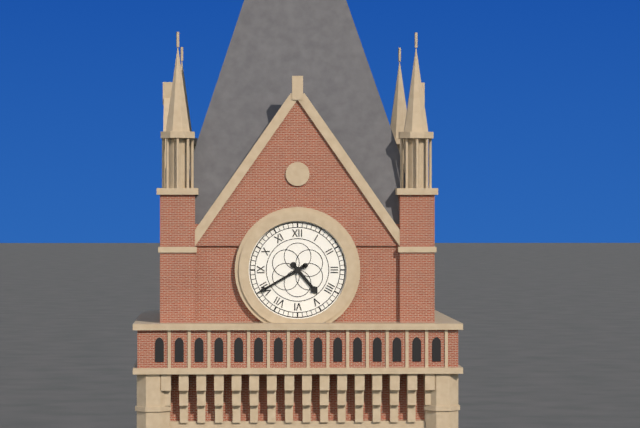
4.40
